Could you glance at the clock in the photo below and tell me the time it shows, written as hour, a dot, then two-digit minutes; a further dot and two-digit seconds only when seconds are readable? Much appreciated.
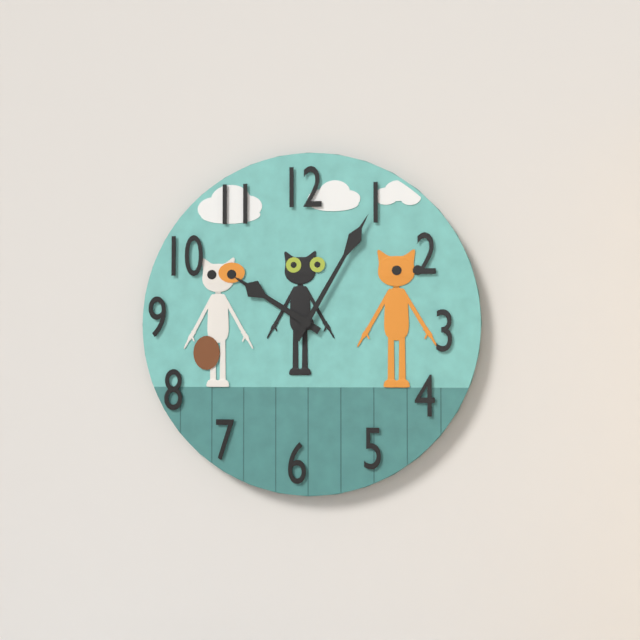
10.05
